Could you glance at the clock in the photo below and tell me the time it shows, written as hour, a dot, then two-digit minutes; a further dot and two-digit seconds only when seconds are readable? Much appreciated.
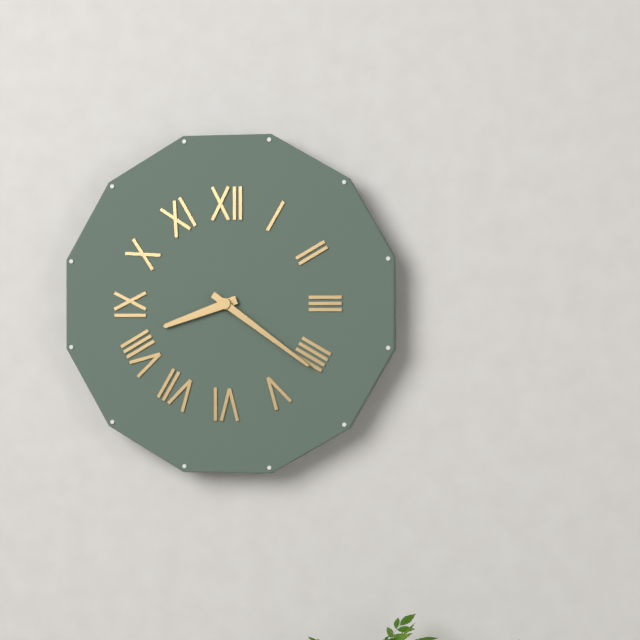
8.21
